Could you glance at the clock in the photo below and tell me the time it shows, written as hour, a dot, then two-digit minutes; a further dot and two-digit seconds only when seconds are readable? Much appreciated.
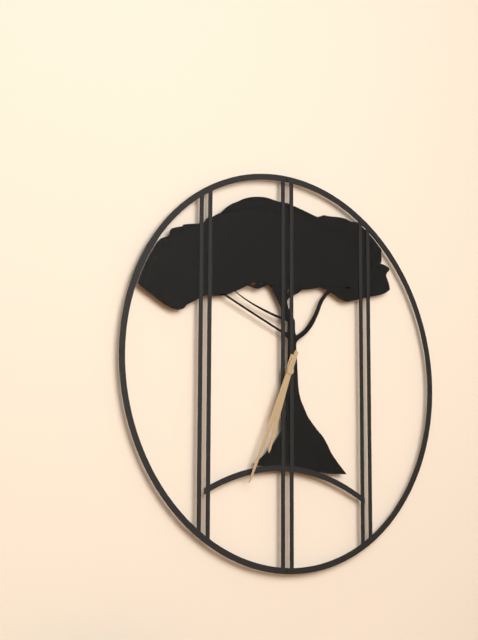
6.34
